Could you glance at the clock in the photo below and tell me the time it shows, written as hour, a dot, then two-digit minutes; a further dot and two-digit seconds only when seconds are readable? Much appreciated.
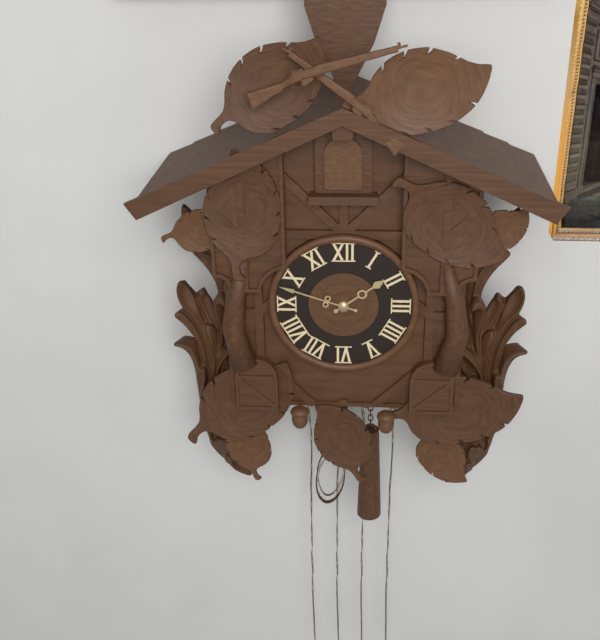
1.48
